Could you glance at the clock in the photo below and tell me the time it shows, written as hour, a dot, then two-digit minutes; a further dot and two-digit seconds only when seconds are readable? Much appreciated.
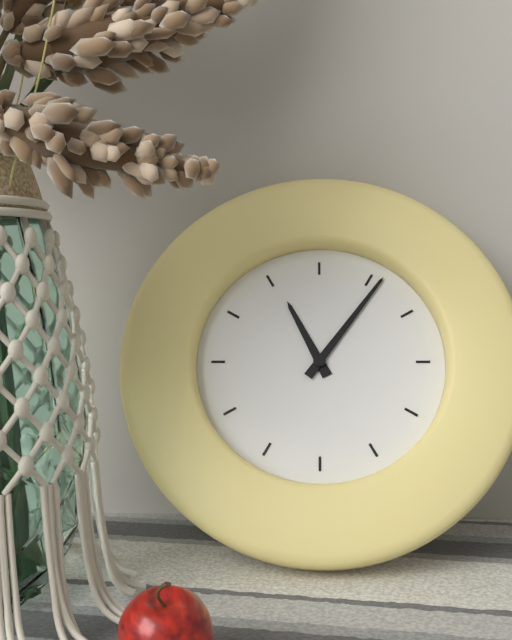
11.06
